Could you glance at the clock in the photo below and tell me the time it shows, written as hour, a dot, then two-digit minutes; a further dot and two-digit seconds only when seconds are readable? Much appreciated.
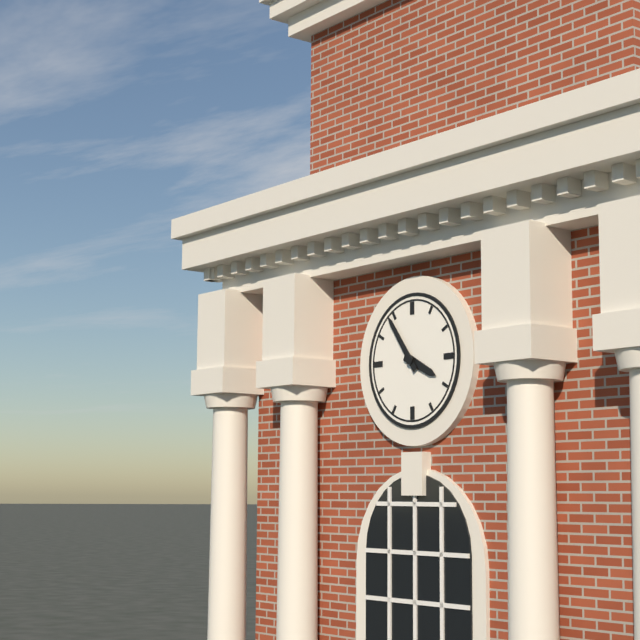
3.54
